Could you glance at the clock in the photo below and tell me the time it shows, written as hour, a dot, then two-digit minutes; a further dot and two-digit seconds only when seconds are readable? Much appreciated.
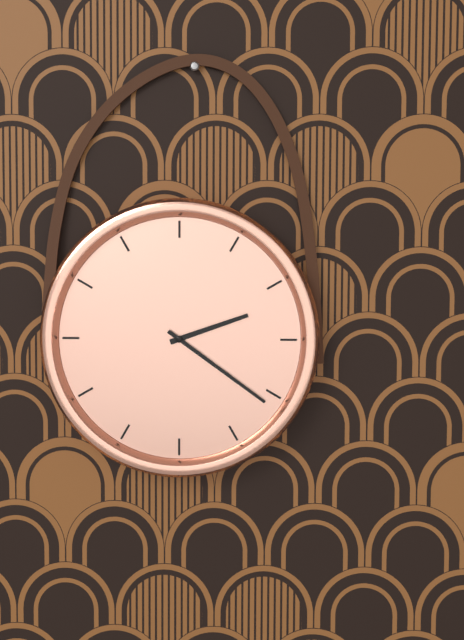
2.21
